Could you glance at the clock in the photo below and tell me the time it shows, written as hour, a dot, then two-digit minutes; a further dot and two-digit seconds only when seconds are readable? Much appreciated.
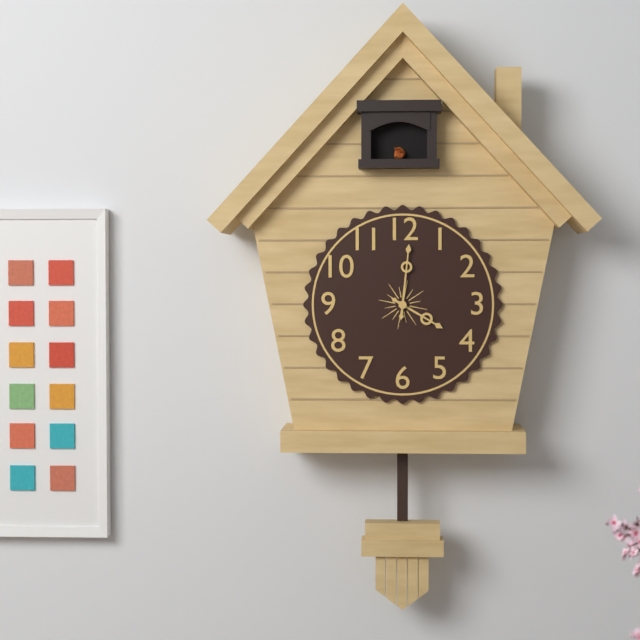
4.01
